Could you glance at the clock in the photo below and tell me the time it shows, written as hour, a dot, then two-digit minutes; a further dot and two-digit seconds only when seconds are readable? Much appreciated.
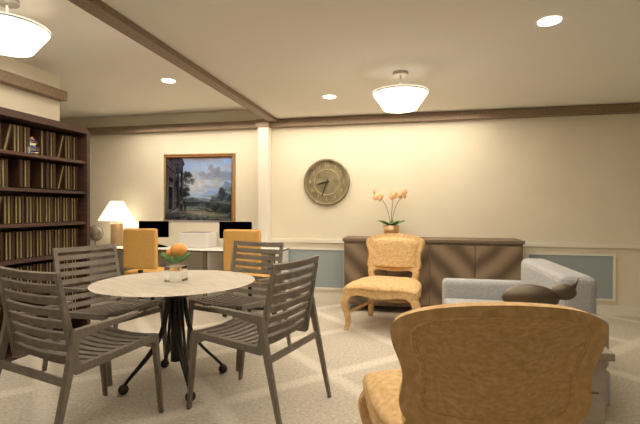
8.33
